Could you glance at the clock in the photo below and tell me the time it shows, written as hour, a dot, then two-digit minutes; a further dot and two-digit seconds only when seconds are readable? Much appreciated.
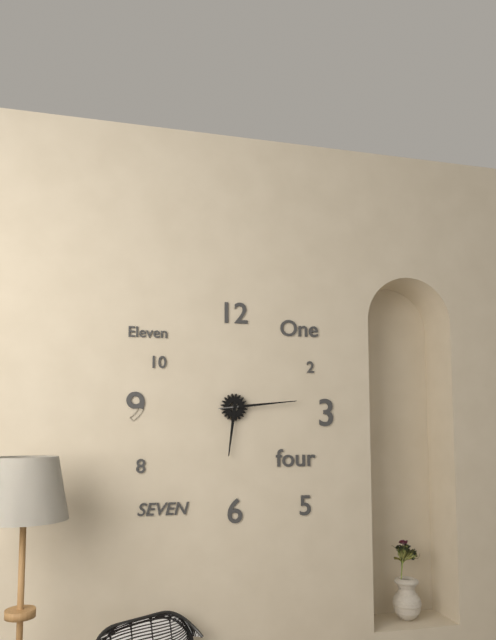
6.14
